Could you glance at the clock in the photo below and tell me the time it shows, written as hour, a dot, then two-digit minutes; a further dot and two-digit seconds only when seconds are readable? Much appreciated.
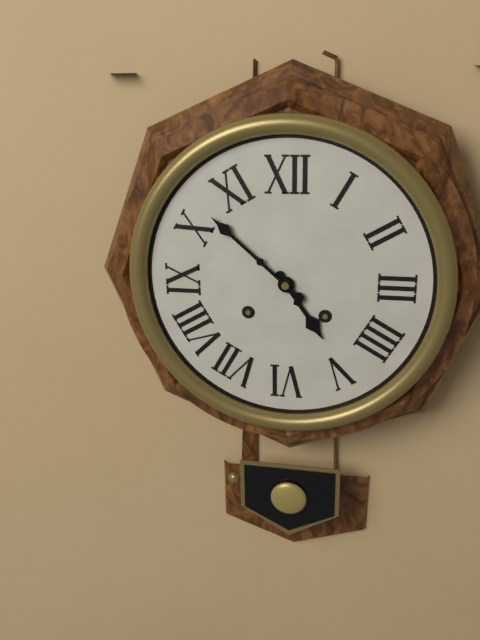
4.52
